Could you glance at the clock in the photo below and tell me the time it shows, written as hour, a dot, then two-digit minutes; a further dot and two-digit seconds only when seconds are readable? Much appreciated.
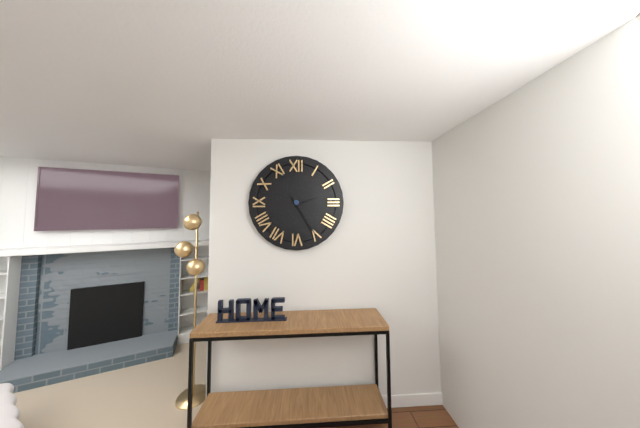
2.25
